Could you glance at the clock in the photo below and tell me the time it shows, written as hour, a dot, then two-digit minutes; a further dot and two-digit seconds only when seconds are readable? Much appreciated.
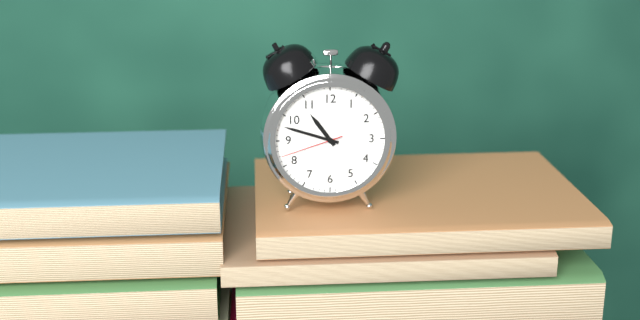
10.48.42
